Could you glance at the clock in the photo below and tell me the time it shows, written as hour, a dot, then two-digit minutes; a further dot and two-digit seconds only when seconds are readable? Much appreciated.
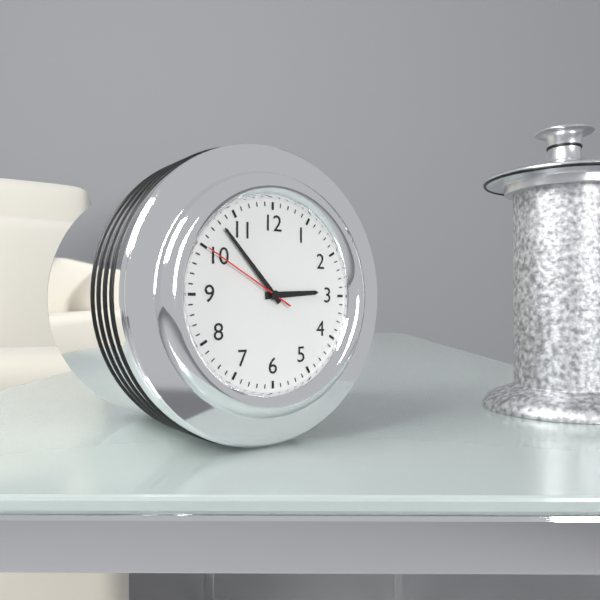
2.53.50
